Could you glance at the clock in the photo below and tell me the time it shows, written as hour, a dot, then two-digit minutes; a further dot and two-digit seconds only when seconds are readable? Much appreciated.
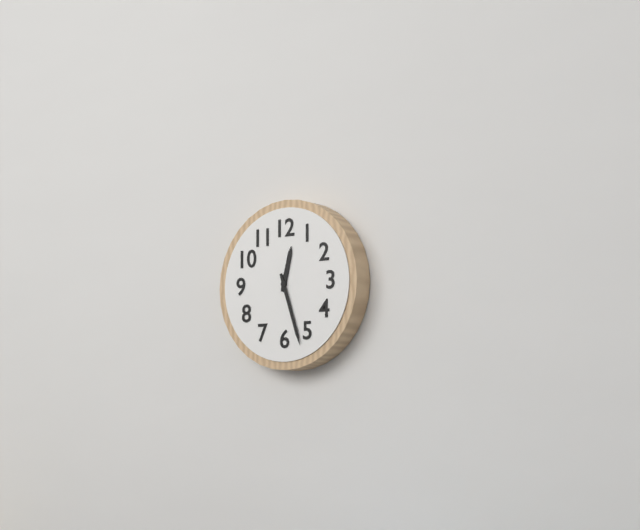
12.27
